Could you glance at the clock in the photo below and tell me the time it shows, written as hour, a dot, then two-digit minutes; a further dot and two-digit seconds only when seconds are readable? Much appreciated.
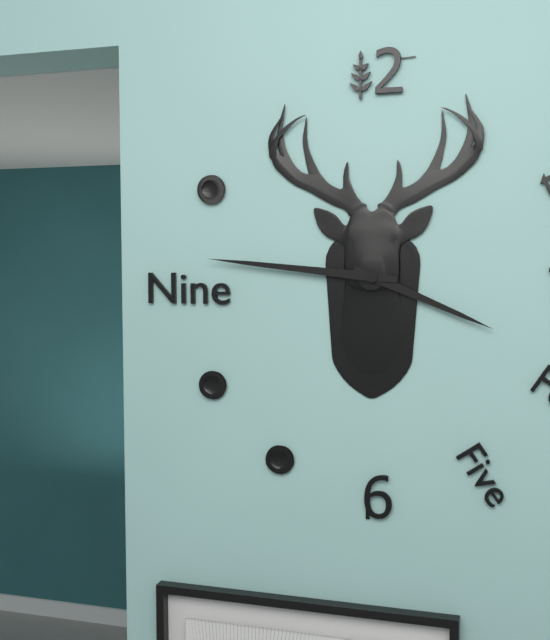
3.46
